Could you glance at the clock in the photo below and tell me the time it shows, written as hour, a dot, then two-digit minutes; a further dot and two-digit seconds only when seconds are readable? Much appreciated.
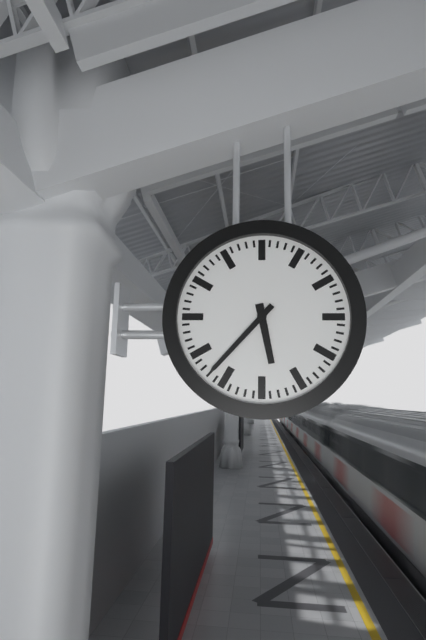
5.37
